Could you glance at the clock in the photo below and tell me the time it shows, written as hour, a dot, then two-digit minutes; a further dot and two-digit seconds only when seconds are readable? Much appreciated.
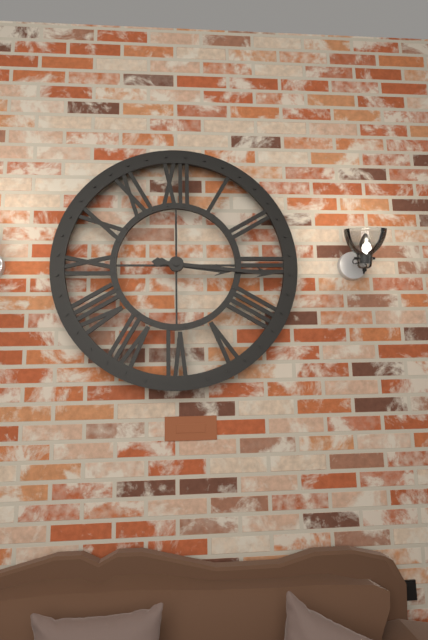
3.16
